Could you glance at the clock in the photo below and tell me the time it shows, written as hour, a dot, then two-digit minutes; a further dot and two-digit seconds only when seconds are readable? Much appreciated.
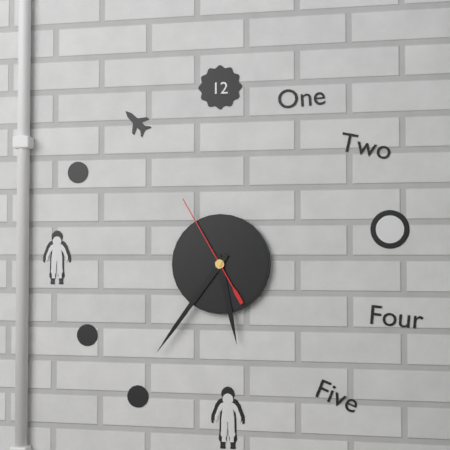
5.36.55
